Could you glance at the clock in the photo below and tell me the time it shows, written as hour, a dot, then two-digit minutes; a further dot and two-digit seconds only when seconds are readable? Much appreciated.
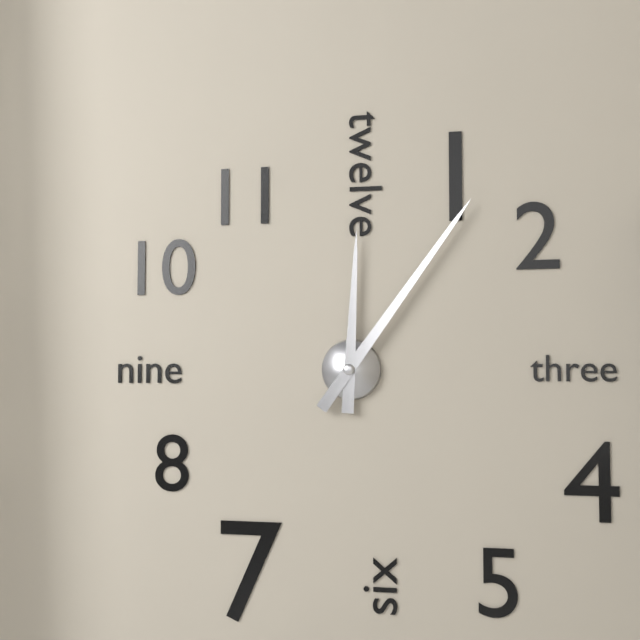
12.06
